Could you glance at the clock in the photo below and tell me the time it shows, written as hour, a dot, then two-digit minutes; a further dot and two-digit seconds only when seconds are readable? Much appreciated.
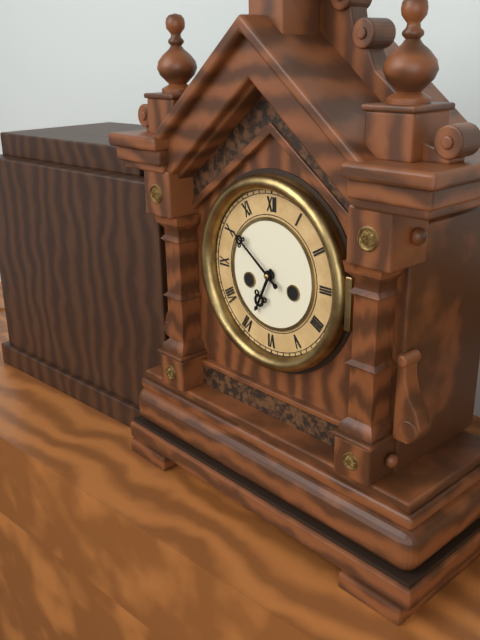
6.51
